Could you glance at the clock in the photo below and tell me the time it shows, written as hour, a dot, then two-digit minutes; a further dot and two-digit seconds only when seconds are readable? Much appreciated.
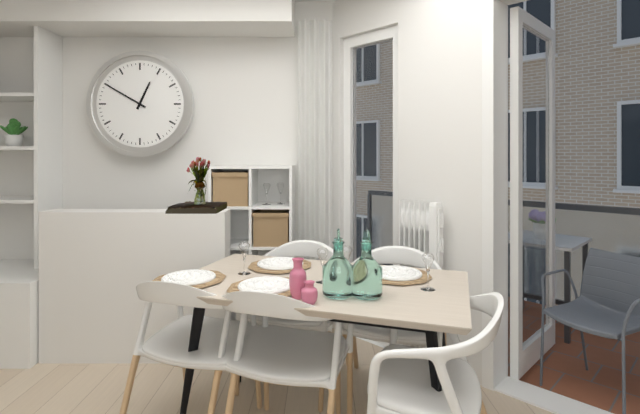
12.50
